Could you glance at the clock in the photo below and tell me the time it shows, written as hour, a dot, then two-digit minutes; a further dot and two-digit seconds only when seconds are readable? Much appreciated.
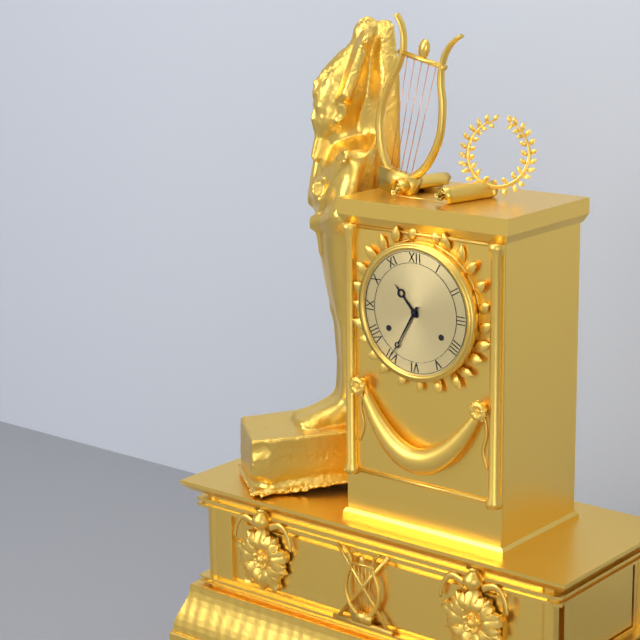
10.35
